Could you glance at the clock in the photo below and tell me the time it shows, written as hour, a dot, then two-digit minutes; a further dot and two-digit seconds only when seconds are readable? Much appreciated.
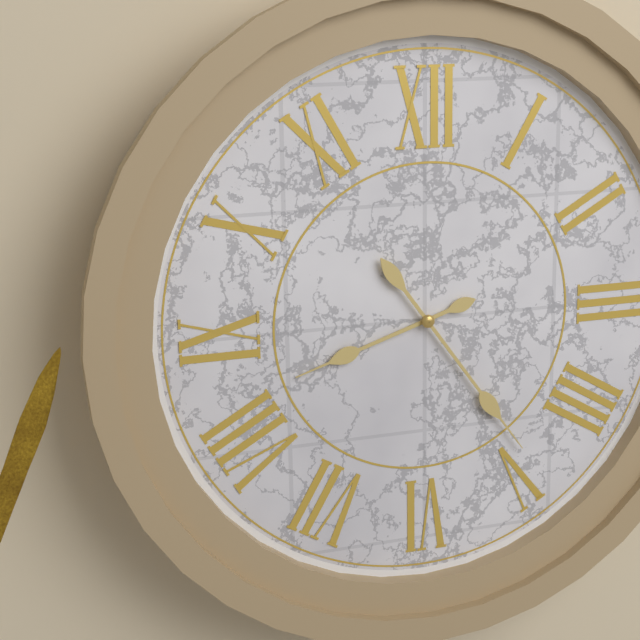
8.24
